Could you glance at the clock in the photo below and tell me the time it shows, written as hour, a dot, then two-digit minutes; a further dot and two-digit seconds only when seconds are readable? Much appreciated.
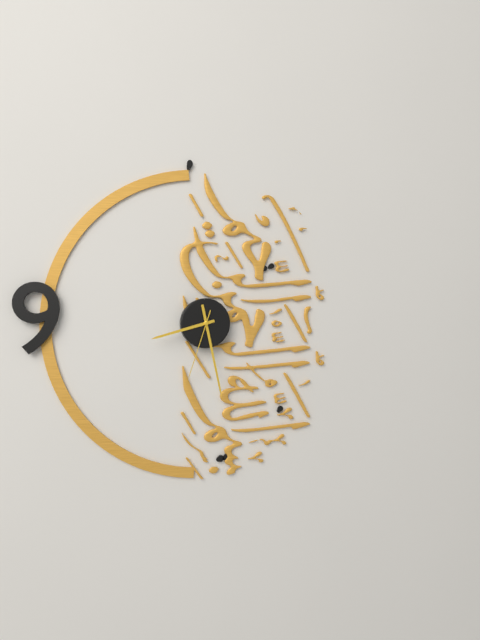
8.28.33
